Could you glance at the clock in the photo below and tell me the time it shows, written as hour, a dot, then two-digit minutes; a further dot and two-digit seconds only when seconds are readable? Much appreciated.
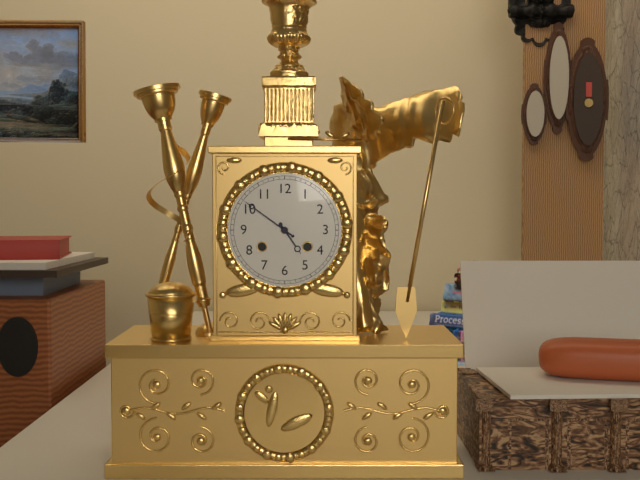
4.51
